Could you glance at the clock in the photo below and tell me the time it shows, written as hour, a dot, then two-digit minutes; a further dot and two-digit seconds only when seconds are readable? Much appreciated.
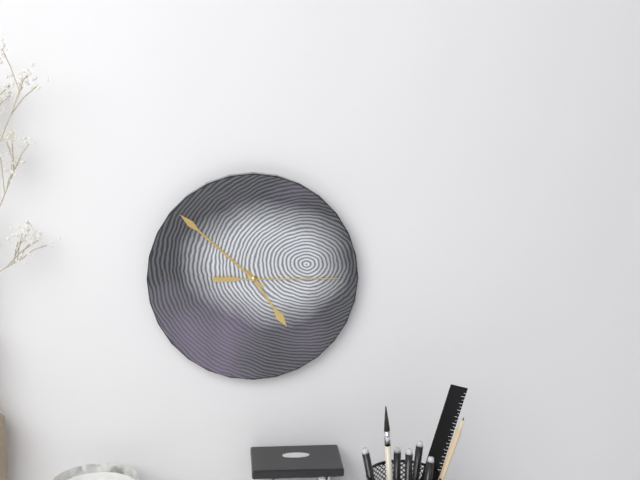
4.52.15
